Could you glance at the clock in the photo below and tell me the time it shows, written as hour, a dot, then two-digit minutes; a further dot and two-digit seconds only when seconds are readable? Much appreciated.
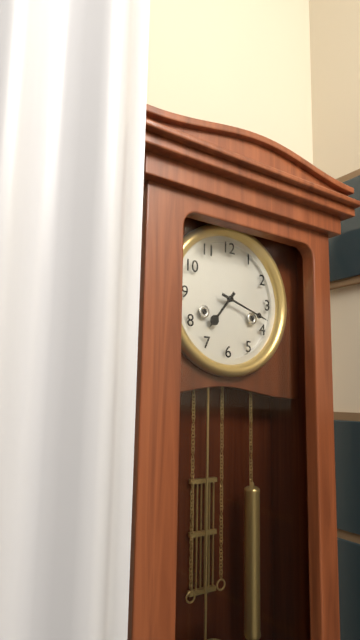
7.18
